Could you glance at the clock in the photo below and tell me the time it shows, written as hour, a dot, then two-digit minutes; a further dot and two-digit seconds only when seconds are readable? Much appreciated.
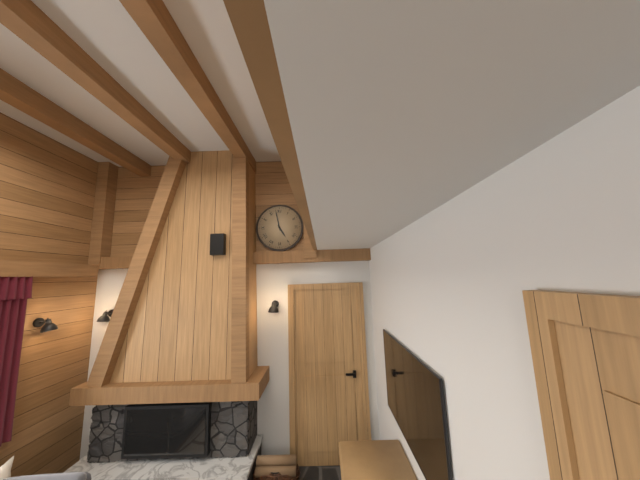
4.58
